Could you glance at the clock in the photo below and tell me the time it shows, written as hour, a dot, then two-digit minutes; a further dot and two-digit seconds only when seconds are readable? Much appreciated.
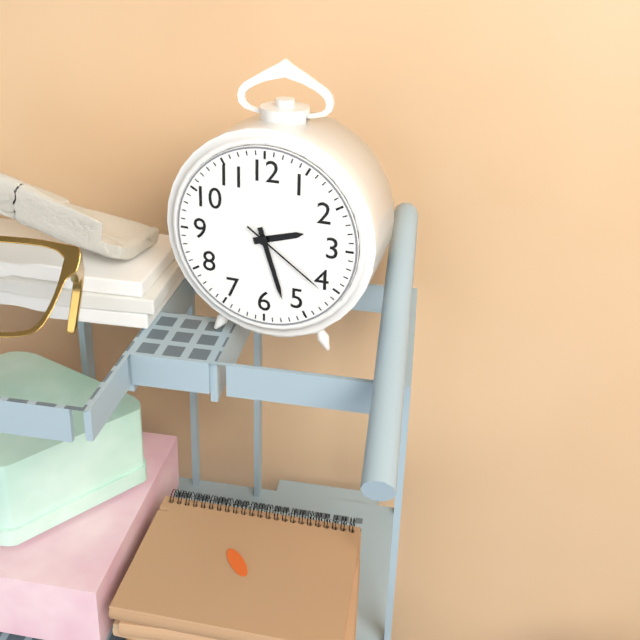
2.27.21
